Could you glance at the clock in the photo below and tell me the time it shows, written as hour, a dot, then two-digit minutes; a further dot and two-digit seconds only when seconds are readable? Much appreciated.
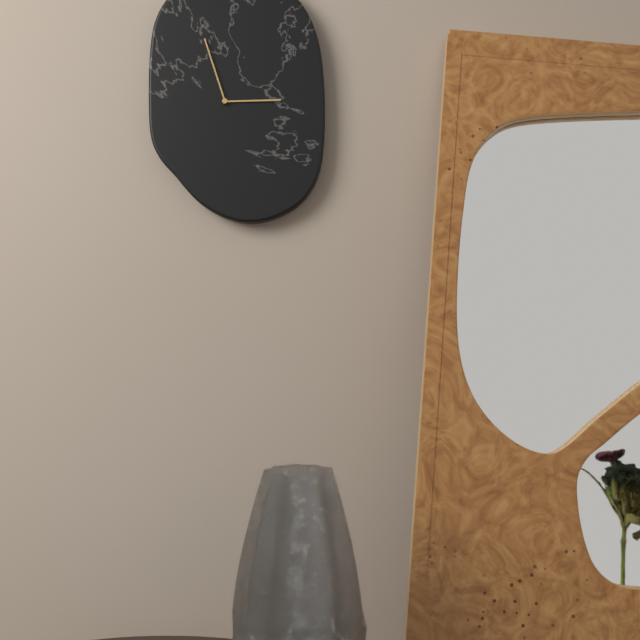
2.57
